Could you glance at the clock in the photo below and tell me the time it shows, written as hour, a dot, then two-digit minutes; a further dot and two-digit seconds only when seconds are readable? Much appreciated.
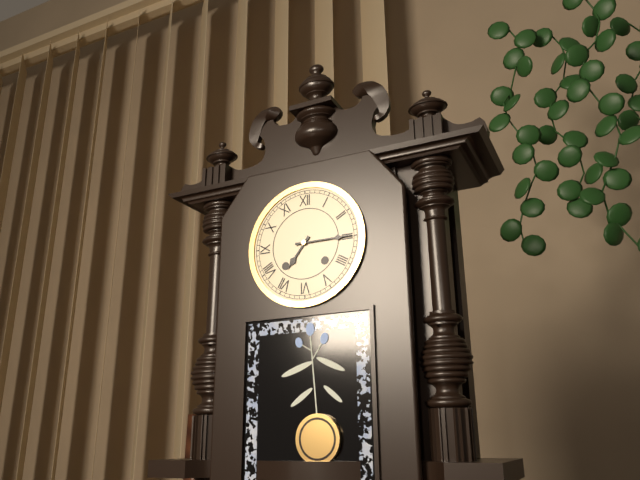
7.15
